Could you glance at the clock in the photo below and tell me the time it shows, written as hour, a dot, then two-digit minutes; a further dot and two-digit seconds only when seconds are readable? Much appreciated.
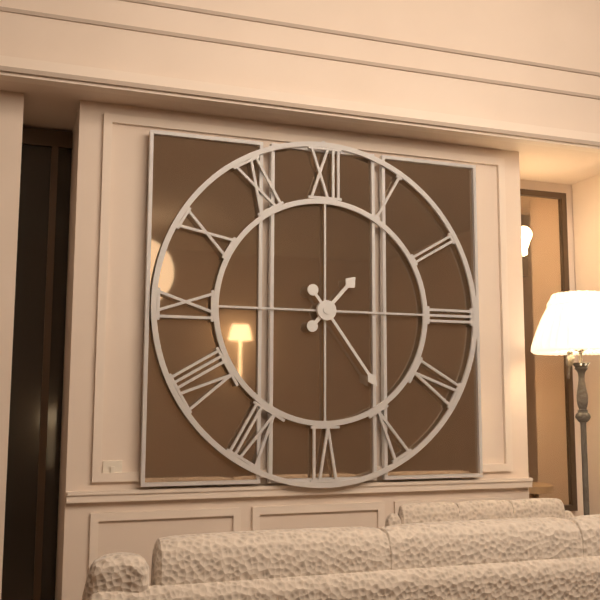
1.24
